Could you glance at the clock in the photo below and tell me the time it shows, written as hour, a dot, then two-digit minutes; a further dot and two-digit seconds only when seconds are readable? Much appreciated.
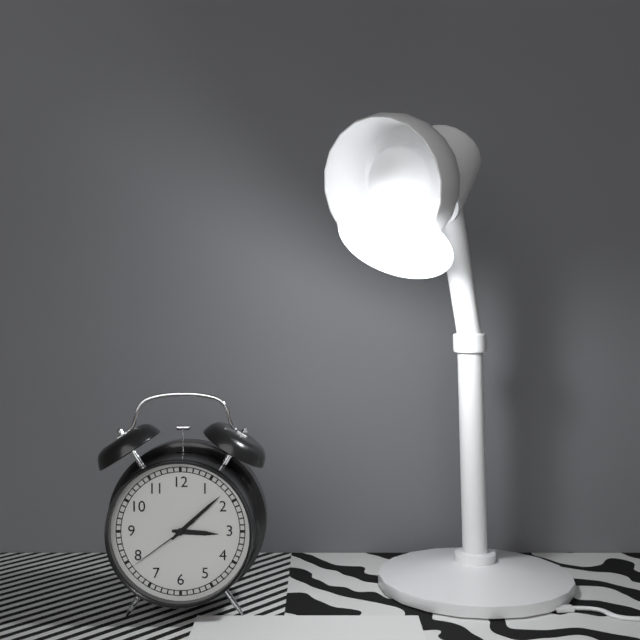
3.08.39
